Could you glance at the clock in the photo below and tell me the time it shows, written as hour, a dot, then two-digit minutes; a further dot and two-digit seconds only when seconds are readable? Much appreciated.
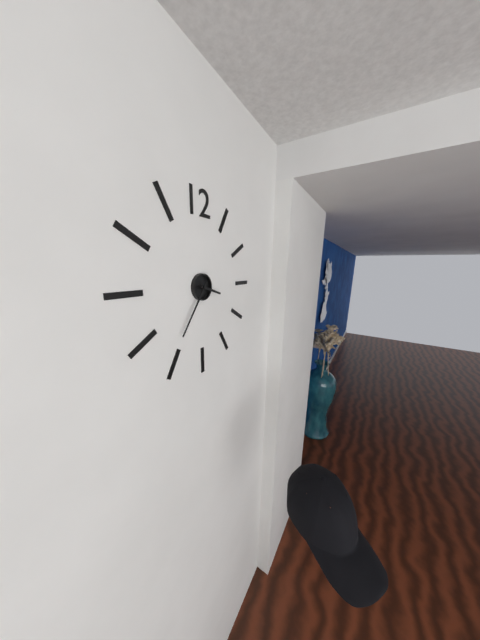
3.36
